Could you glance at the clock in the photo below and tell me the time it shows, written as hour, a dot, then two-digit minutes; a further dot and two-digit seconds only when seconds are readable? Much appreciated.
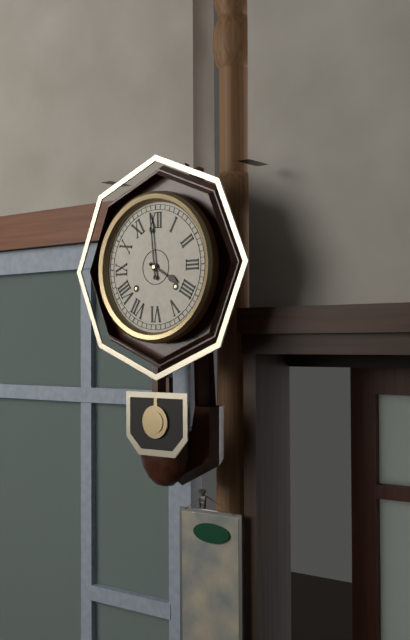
3.59
